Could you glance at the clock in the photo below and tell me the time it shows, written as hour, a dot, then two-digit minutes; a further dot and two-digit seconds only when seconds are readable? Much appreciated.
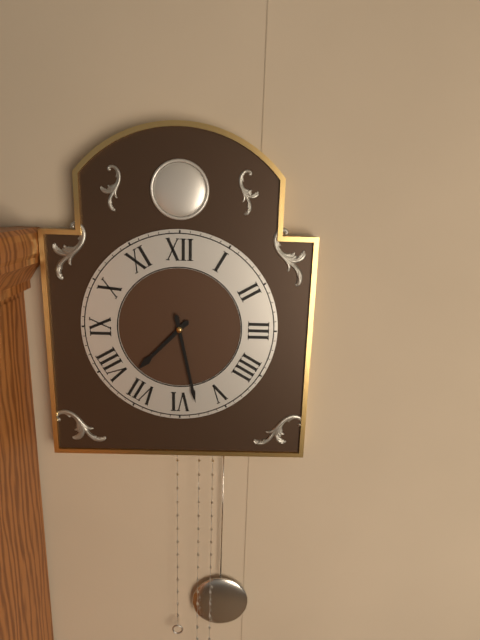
7.28
